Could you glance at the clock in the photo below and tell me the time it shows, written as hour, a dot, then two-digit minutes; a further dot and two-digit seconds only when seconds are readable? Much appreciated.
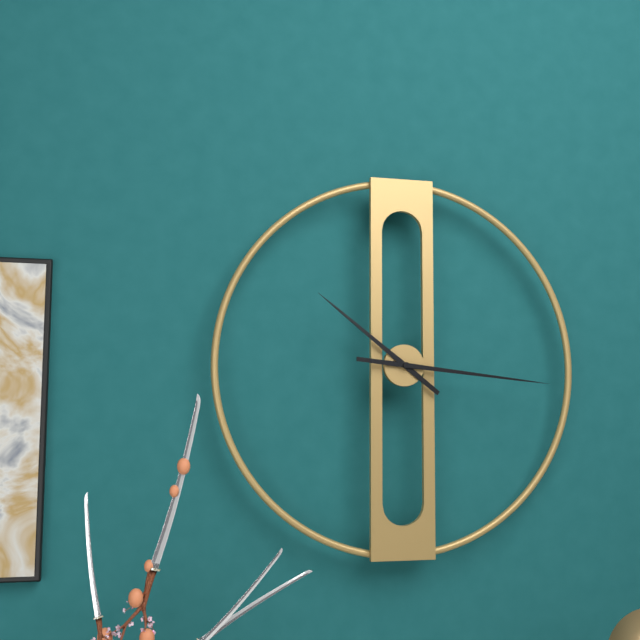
10.16
